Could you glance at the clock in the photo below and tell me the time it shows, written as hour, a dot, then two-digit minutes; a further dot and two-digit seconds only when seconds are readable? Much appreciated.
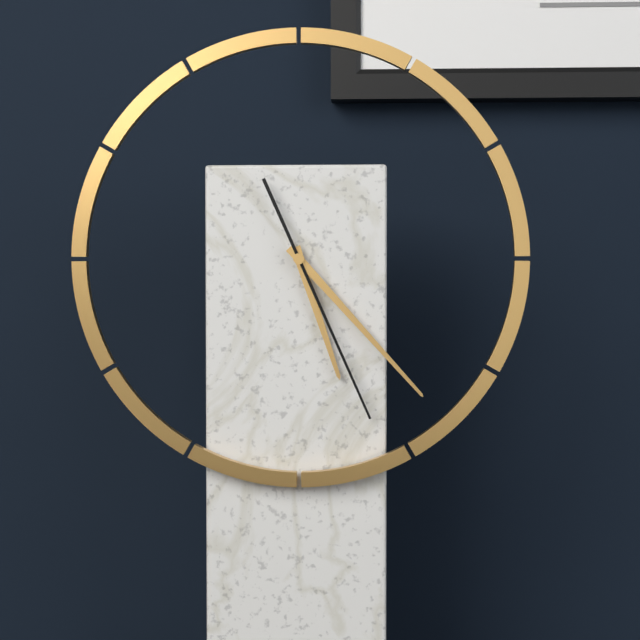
5.23.26
